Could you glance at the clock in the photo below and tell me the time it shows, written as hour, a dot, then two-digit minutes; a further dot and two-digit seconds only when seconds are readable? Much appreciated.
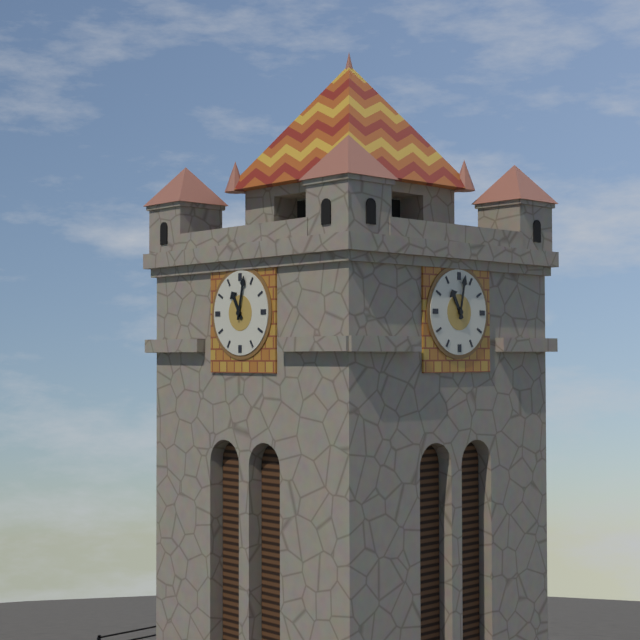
11.02
